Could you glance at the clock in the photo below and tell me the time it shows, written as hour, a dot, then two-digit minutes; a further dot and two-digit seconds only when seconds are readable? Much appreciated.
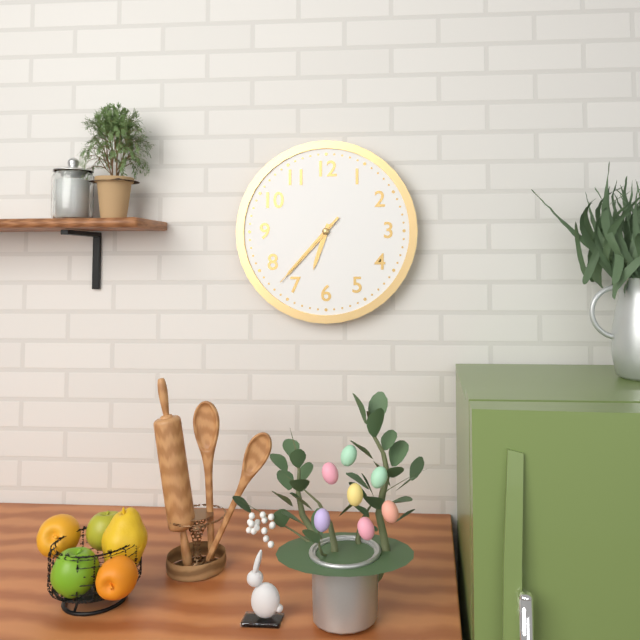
6.37.37
